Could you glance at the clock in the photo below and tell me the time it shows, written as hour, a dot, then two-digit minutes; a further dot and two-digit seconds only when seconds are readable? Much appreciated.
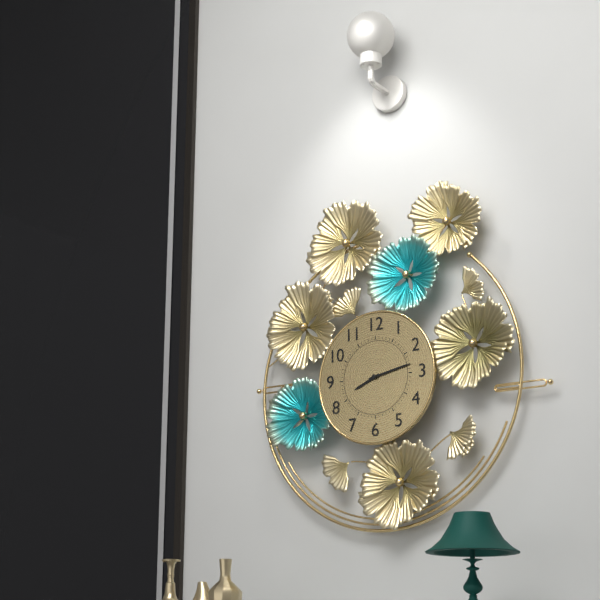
8.13
